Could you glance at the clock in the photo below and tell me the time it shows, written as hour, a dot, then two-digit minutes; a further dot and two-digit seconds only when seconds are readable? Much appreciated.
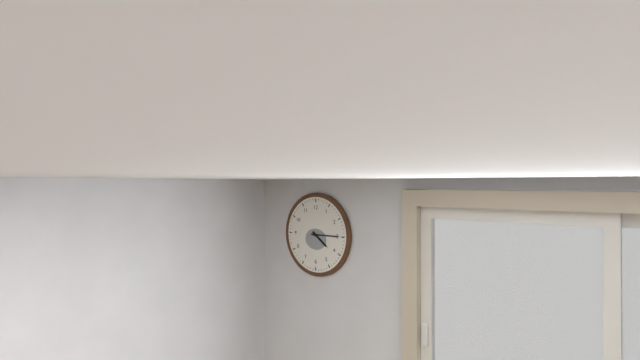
4.15
